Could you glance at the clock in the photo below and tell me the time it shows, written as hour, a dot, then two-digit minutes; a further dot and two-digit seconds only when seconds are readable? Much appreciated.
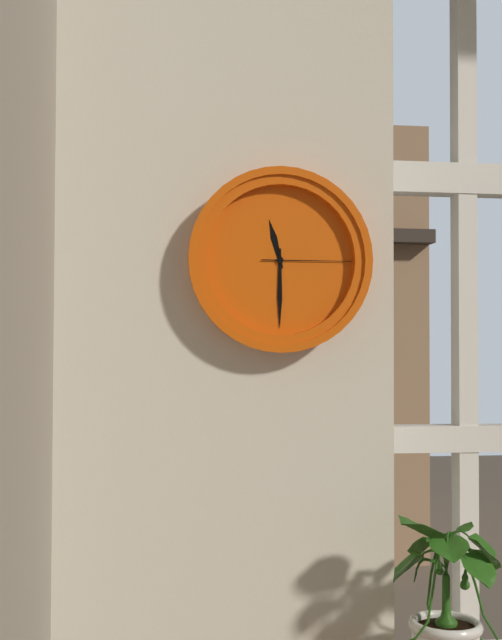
11.30.15
